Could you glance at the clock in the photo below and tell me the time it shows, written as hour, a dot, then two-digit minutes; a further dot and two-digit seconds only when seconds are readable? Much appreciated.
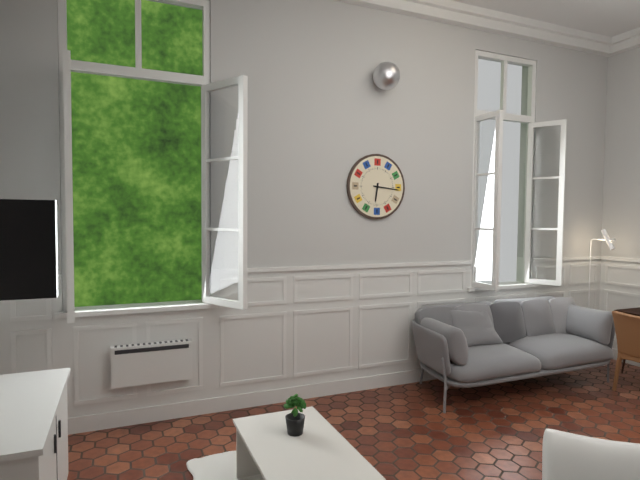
6.16
